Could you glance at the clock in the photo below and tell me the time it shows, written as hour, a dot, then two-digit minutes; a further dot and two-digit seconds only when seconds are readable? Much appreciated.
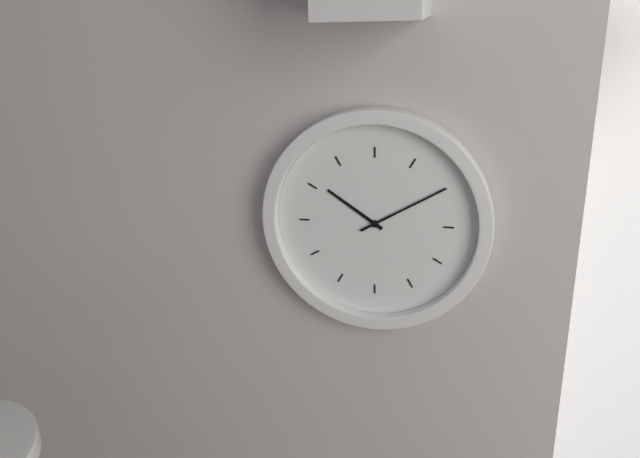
10.10
